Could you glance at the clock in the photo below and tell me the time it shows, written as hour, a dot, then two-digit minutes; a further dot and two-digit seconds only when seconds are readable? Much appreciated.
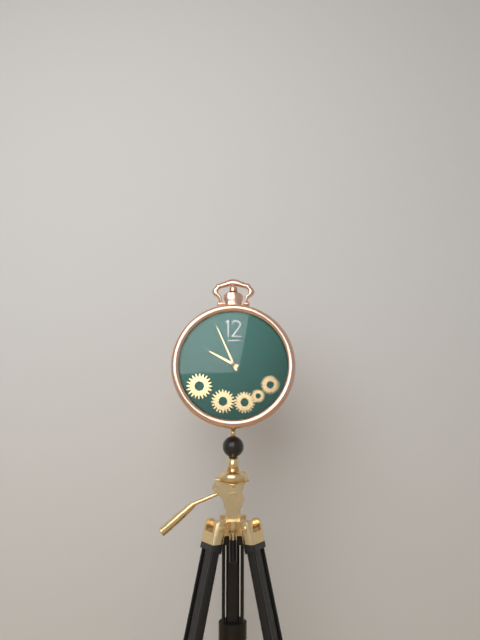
9.56
